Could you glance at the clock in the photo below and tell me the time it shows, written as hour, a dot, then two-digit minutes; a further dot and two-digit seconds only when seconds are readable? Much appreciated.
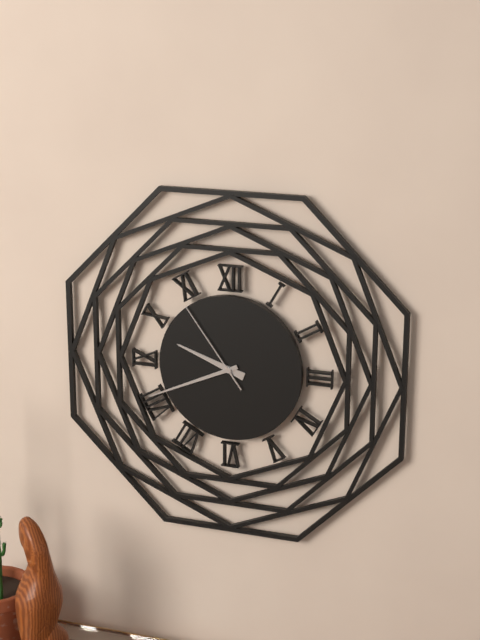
9.41.54
